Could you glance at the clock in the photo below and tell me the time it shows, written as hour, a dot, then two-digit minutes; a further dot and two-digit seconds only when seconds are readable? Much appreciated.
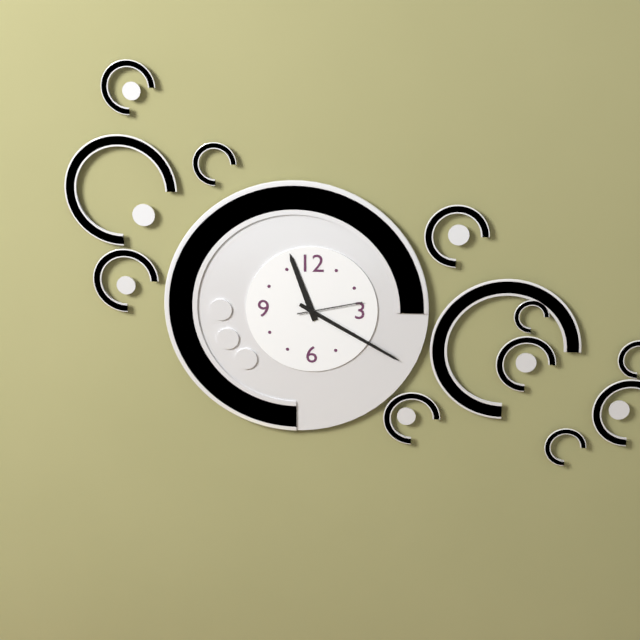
11.20.13
